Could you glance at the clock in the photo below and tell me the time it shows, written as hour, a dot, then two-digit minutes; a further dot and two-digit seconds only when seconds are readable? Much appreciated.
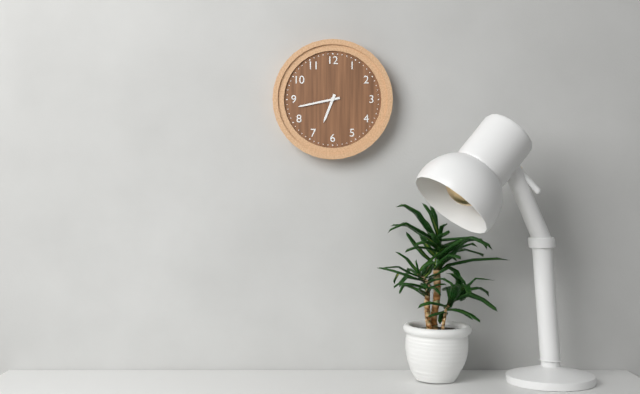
6.43
